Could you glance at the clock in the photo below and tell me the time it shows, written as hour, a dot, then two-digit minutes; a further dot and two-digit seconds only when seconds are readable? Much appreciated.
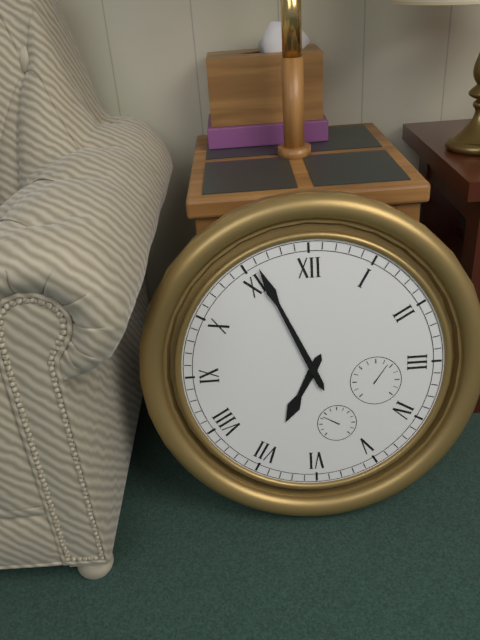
6.56
